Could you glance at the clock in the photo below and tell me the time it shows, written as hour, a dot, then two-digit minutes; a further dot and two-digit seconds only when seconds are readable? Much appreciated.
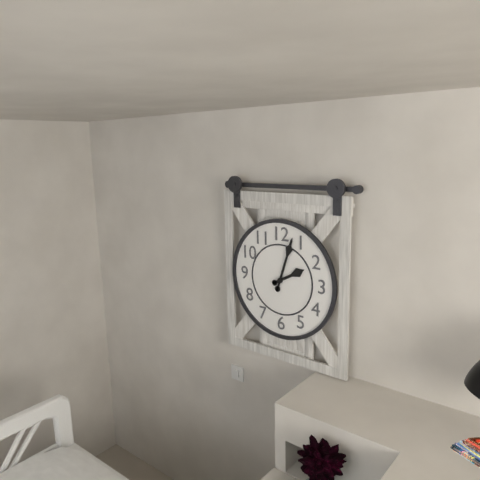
2.03
